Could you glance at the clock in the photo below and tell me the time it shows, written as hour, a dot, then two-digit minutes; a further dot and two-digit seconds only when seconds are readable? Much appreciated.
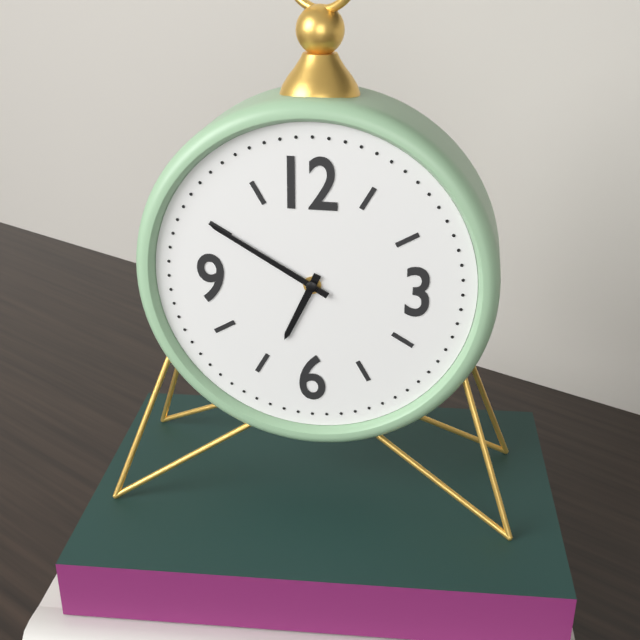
6.50
